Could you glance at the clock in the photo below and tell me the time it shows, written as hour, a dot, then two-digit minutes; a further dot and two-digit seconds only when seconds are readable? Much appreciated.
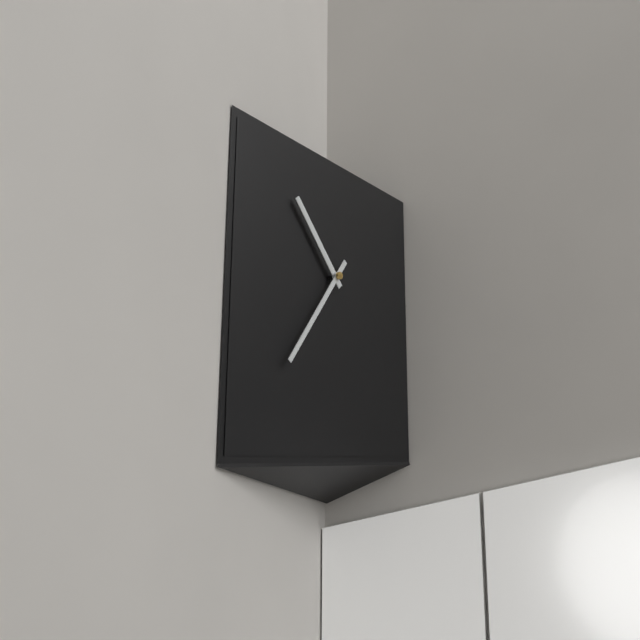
10.36
